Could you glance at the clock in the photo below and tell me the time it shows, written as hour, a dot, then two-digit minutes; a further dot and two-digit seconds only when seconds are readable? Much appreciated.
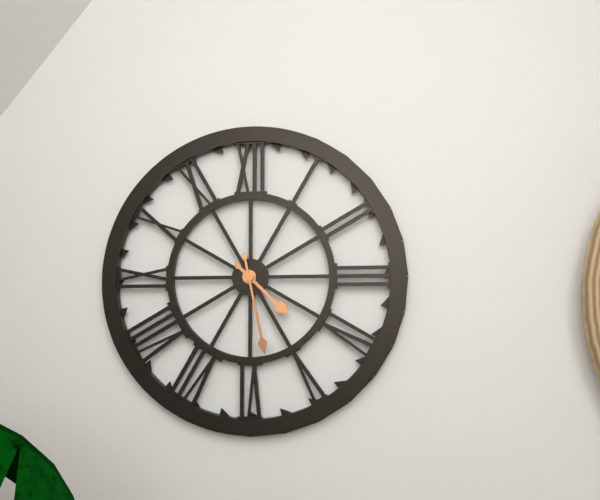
4.28
